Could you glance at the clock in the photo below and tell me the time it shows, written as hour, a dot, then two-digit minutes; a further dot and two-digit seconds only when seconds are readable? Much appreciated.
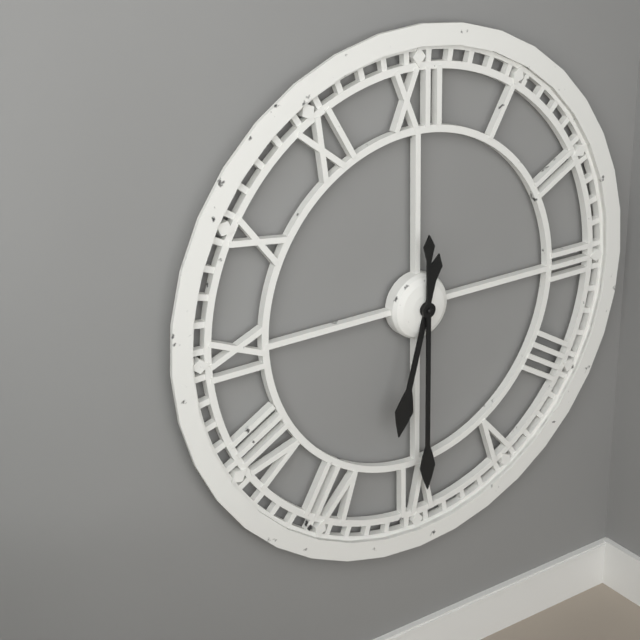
6.30
